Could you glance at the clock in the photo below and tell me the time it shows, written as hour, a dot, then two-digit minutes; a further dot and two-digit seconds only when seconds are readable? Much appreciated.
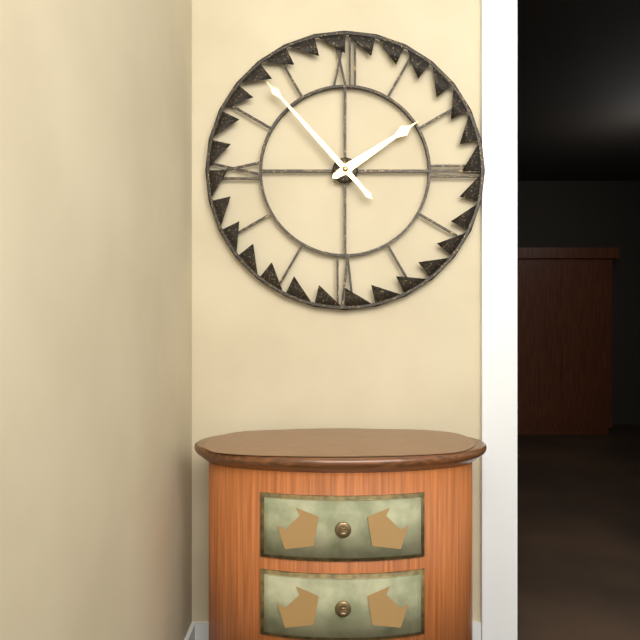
1.53
